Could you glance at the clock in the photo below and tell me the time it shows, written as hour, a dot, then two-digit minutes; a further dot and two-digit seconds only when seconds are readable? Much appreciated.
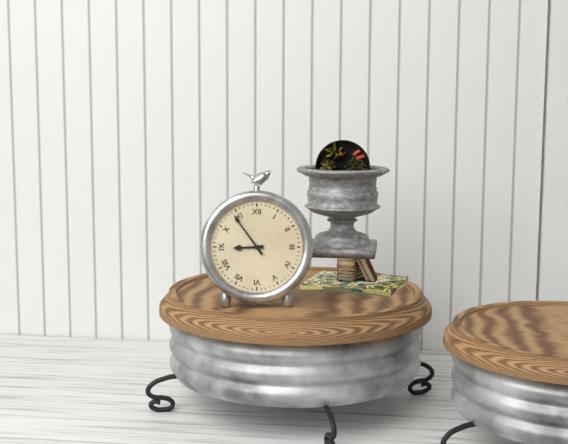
8.54
